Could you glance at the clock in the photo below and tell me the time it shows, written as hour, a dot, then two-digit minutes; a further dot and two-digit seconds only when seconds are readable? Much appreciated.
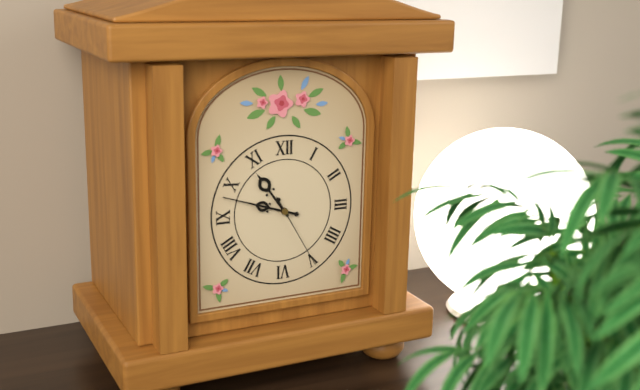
10.48.25
